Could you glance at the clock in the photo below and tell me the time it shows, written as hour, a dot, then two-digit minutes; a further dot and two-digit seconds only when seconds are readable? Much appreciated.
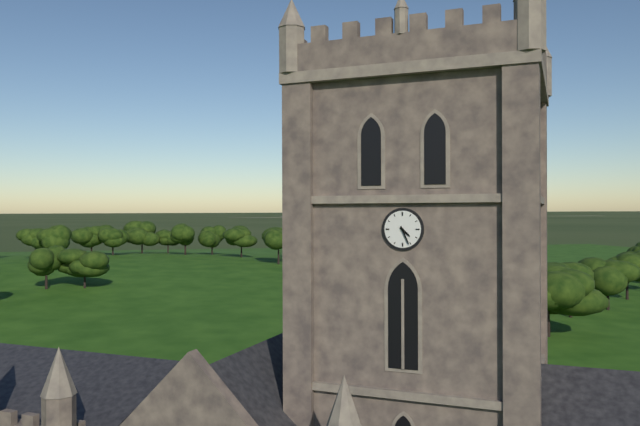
4.26
